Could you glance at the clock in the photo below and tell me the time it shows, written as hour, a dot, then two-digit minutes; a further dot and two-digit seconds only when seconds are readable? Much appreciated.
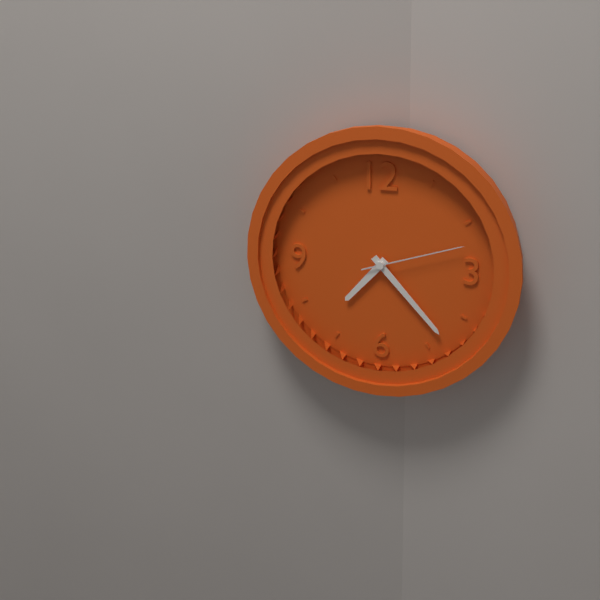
7.23.12
